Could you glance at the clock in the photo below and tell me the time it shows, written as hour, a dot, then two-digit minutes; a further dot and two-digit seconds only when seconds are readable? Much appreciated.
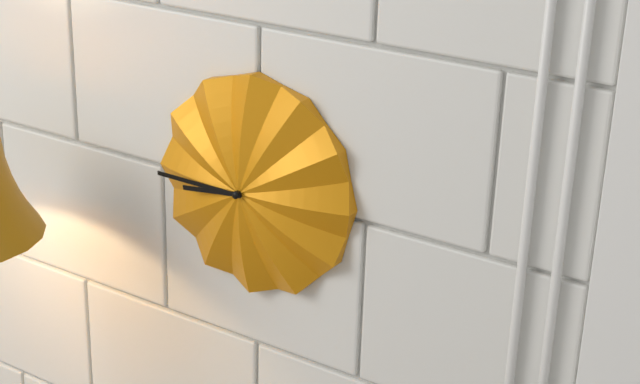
8.45
